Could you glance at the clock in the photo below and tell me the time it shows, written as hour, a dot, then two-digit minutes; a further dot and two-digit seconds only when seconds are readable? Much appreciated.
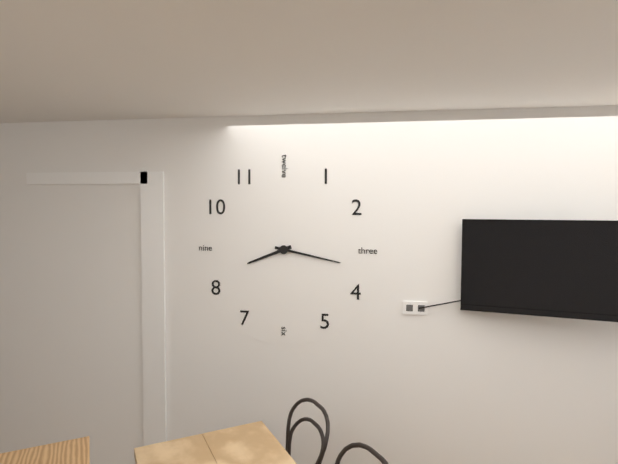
8.17
